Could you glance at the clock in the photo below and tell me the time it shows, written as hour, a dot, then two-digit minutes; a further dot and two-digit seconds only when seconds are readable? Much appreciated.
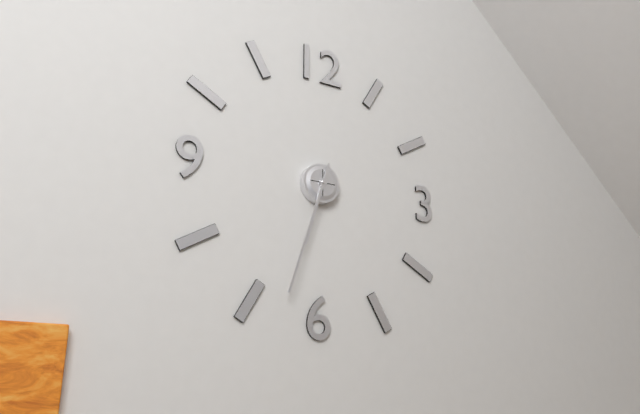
6.33
